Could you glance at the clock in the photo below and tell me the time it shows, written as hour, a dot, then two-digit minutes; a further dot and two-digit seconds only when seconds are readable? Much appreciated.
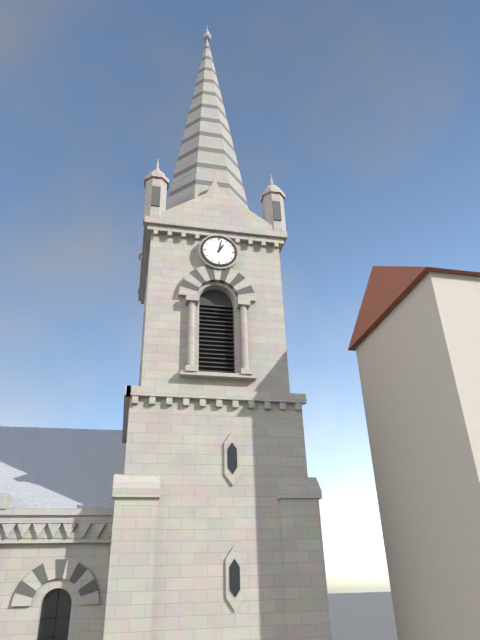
1.02
